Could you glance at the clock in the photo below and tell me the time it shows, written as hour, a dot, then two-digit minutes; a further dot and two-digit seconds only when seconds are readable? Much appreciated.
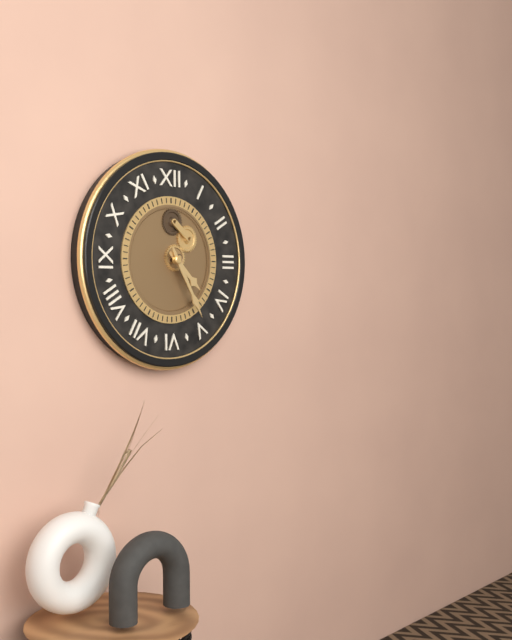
4.25
